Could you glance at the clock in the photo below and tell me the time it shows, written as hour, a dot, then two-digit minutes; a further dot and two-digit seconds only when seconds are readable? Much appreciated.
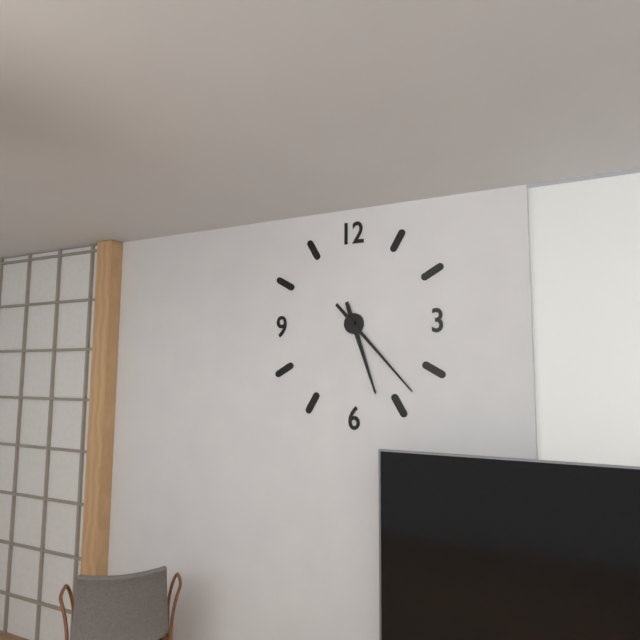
5.23
